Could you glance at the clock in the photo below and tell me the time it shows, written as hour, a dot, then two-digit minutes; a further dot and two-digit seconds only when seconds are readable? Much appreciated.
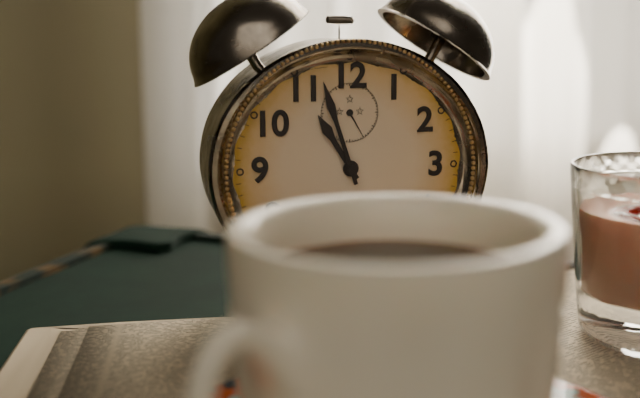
10.57
